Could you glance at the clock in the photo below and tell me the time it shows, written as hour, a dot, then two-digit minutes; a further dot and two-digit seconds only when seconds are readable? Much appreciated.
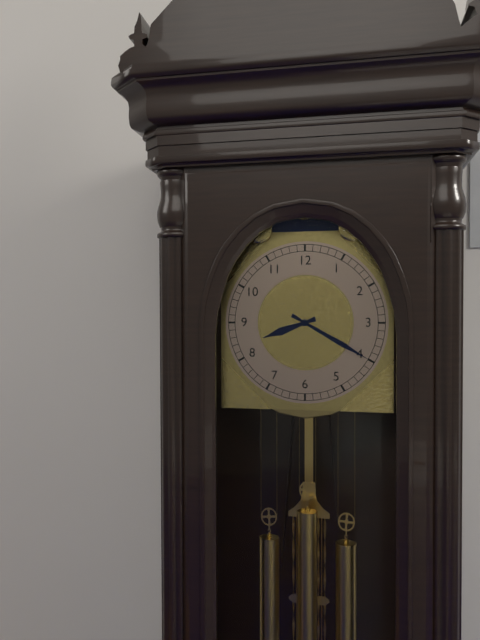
8.20
